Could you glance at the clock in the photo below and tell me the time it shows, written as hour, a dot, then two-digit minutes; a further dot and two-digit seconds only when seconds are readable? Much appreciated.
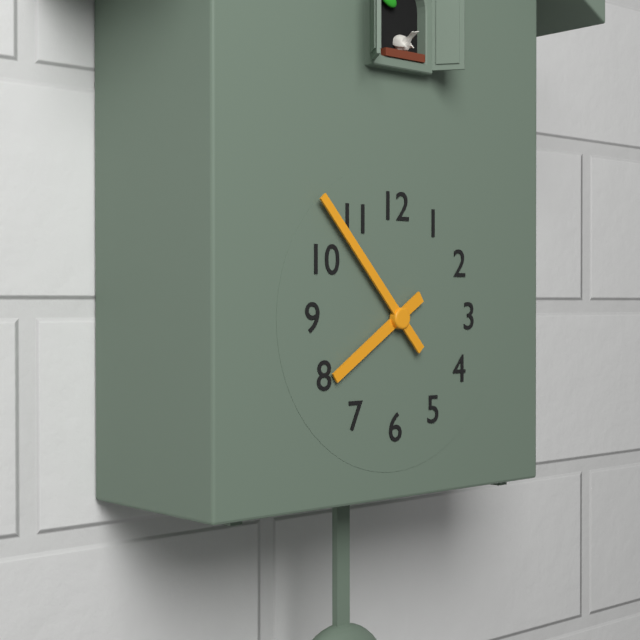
7.53
